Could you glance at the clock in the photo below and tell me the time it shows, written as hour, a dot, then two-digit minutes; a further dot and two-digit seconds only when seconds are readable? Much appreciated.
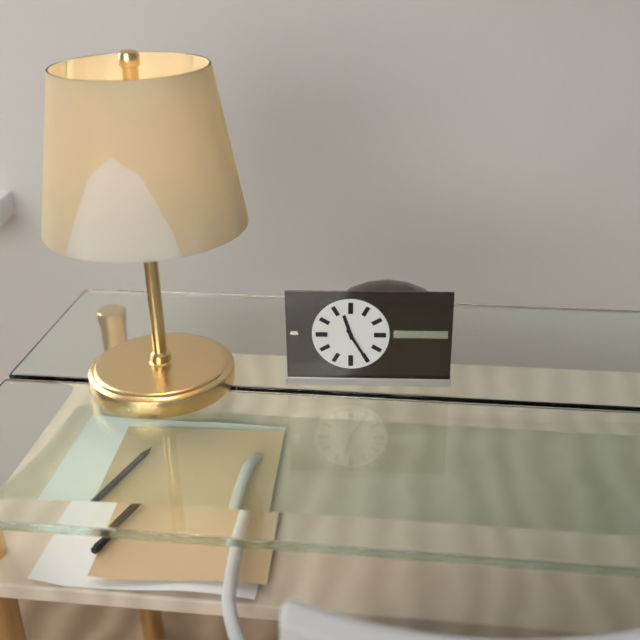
11.25
